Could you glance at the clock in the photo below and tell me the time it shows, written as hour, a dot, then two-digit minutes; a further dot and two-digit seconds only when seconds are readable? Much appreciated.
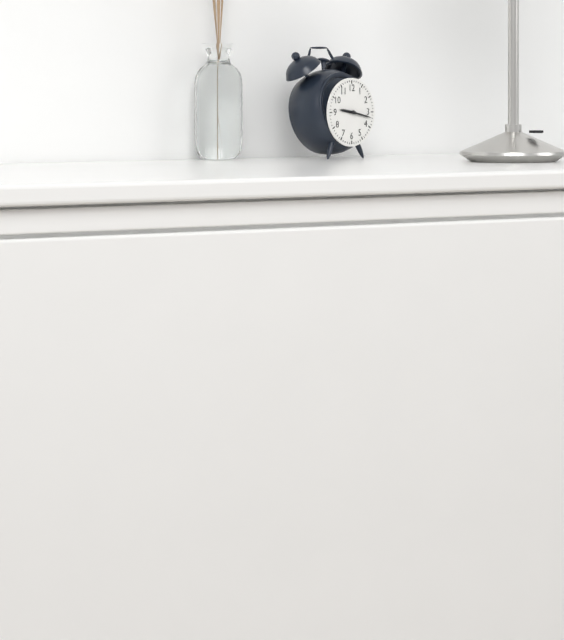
9.17
